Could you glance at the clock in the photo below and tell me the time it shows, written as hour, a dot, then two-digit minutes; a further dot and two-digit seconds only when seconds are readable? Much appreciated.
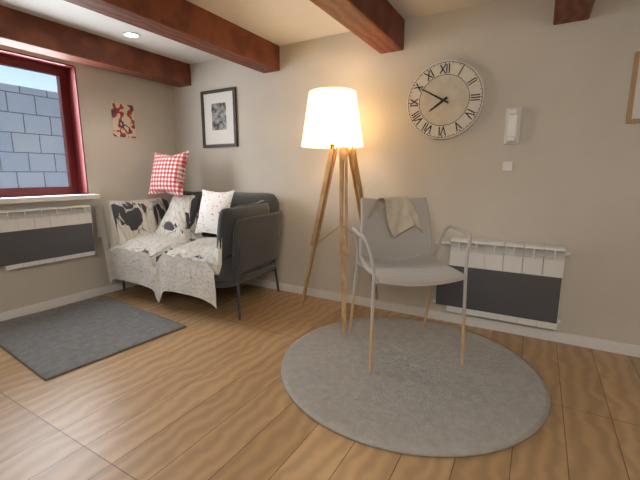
7.50
